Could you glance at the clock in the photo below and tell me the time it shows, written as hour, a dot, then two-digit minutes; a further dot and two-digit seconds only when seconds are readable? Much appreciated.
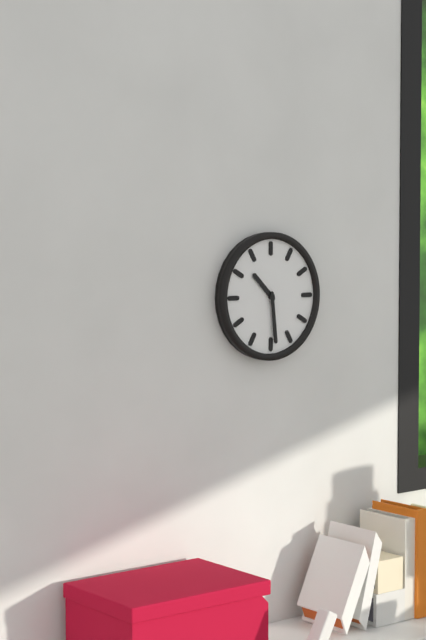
10.29
